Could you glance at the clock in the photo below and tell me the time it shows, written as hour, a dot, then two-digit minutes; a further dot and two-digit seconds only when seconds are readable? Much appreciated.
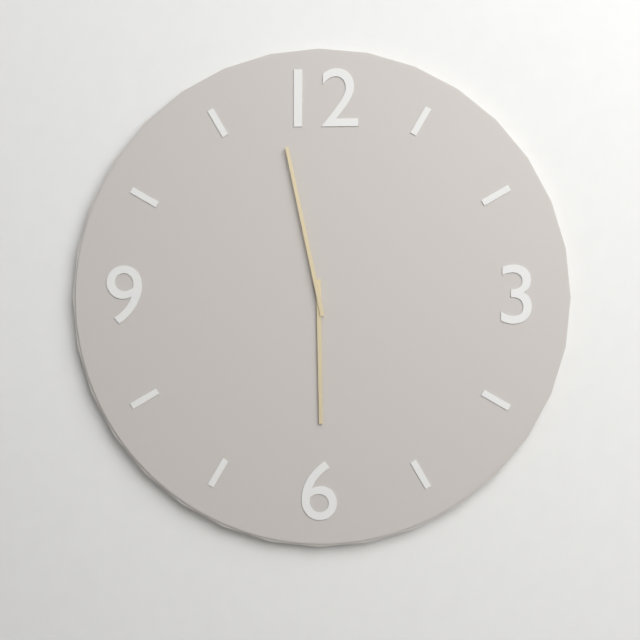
5.58
